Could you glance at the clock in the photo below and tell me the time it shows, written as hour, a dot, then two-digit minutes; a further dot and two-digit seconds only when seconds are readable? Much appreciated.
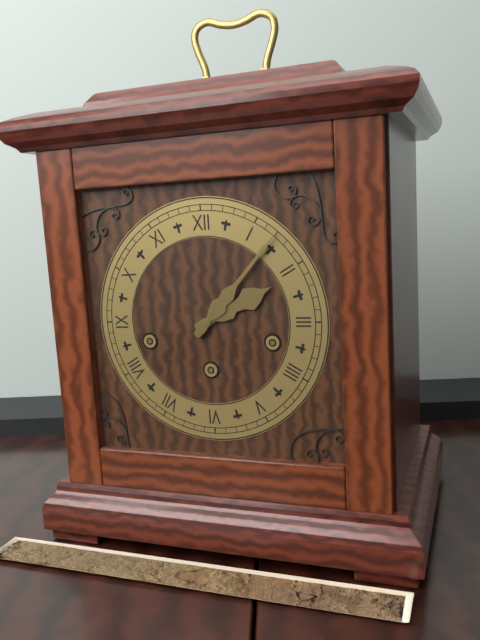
2.07
